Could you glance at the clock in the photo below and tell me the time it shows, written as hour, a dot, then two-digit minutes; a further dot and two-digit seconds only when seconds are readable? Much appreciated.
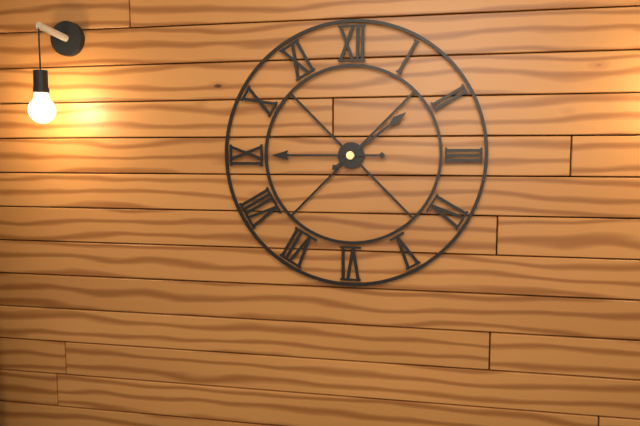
1.45
